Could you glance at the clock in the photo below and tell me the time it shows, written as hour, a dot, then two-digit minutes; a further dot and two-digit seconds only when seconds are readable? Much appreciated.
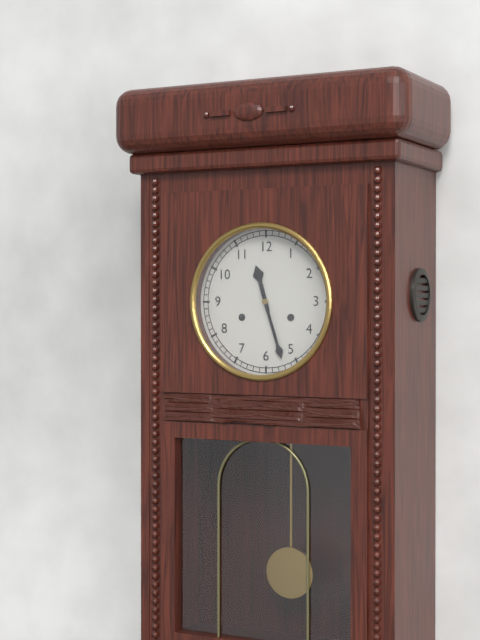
11.27
